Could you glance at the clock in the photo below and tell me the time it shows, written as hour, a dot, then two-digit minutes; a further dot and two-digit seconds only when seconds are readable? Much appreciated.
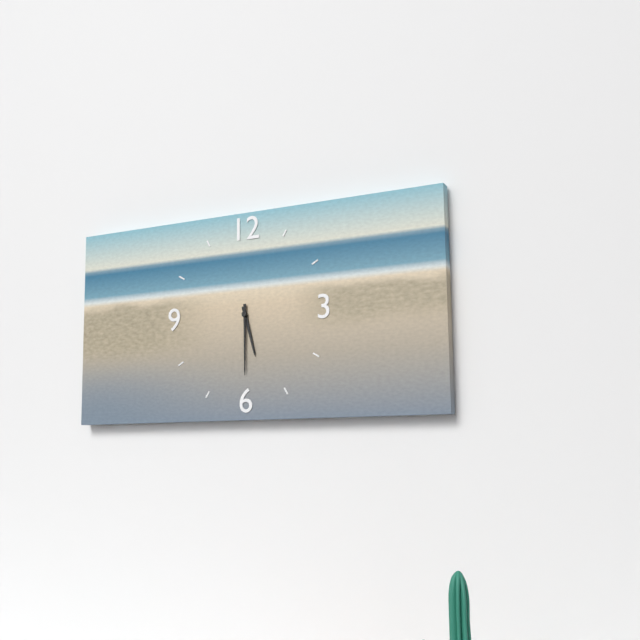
5.30
